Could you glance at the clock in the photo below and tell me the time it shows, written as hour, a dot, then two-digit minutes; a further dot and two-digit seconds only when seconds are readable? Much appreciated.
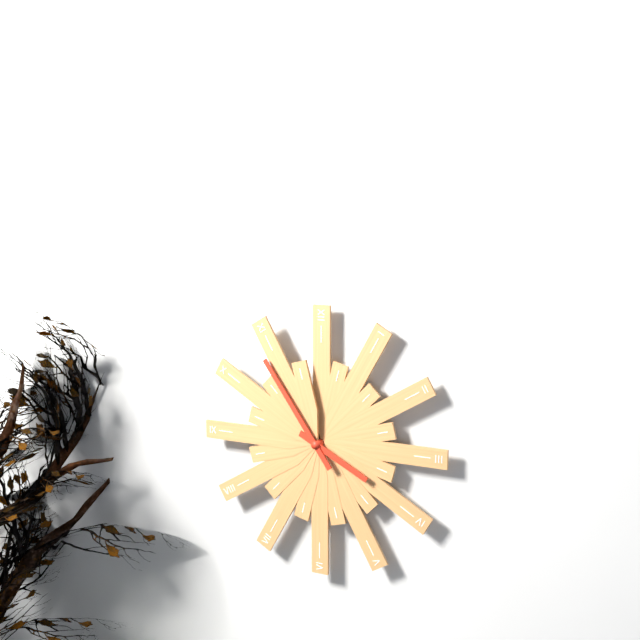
3.54
